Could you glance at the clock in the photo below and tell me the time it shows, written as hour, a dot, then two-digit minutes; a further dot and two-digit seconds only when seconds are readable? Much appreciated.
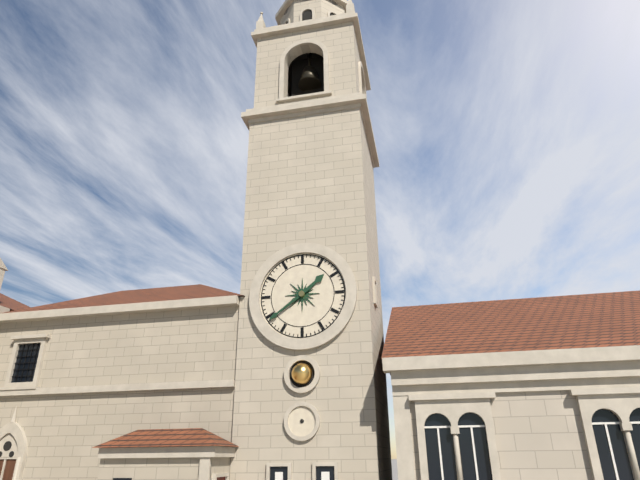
1.39
